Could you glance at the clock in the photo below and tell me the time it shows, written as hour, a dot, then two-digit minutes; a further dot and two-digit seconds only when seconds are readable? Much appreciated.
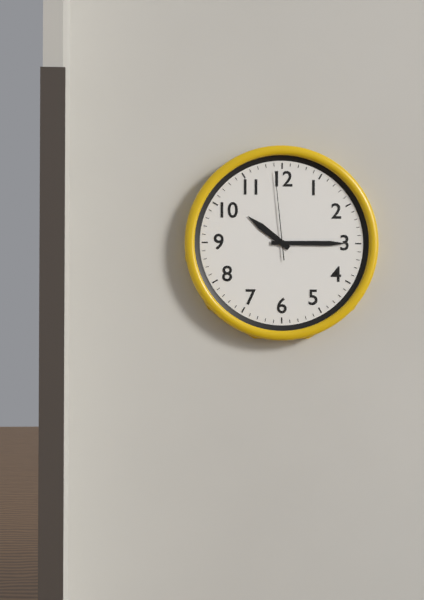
10.15.59
